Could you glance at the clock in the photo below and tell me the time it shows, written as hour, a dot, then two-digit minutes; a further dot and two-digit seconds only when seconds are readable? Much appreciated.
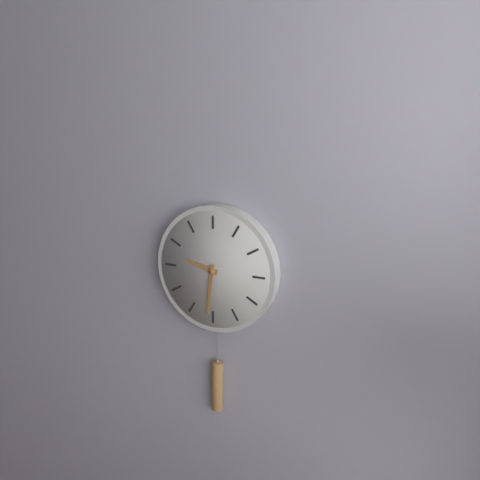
9.31
